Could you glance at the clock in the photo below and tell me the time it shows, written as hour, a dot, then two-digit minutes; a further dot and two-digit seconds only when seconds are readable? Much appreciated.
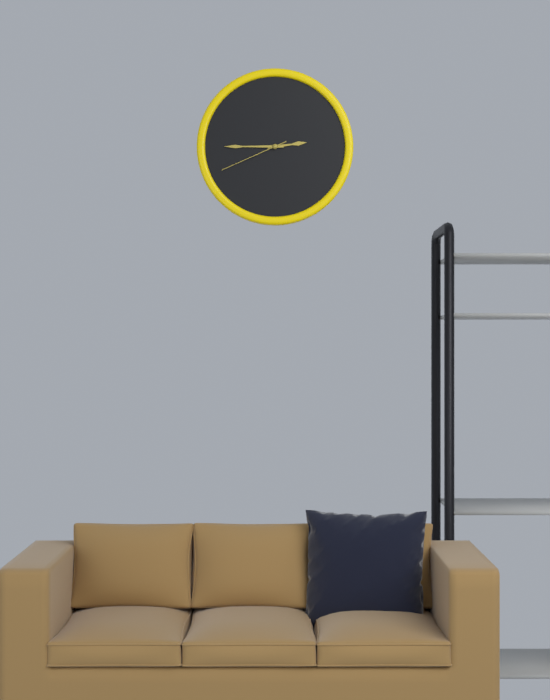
2.45.41
